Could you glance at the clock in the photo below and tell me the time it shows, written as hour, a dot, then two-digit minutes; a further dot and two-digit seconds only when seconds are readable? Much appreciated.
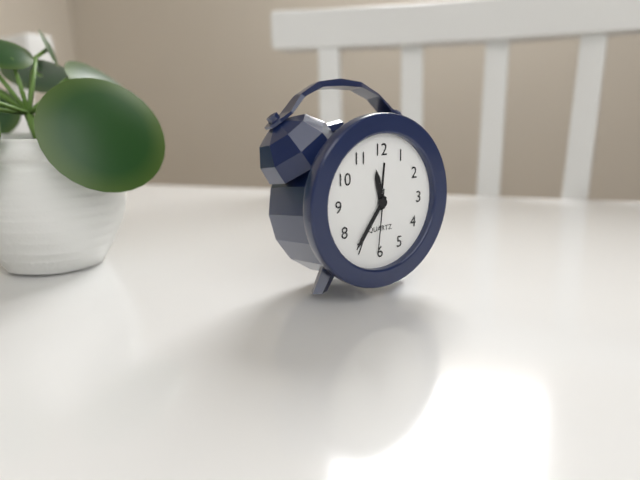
11.36.31
